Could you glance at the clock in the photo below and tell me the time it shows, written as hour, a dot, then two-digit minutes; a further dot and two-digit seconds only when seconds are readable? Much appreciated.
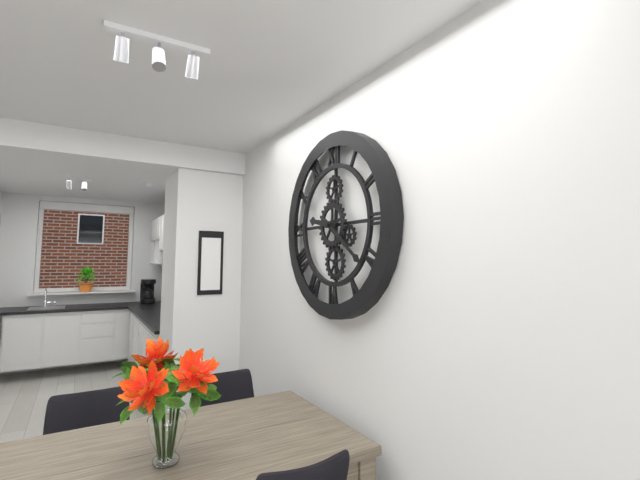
9.21
